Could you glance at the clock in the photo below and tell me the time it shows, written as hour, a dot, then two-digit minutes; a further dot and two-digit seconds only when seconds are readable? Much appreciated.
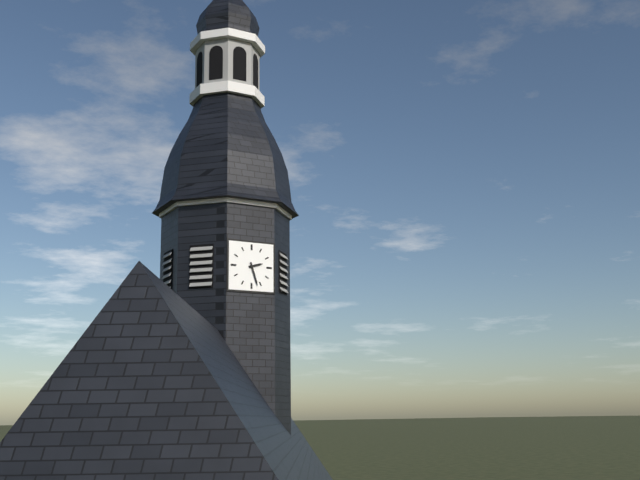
2.27
